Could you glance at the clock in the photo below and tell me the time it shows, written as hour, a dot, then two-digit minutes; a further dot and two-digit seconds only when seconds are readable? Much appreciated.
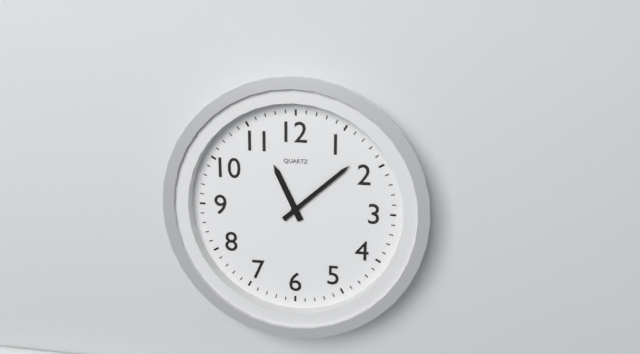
11.08
